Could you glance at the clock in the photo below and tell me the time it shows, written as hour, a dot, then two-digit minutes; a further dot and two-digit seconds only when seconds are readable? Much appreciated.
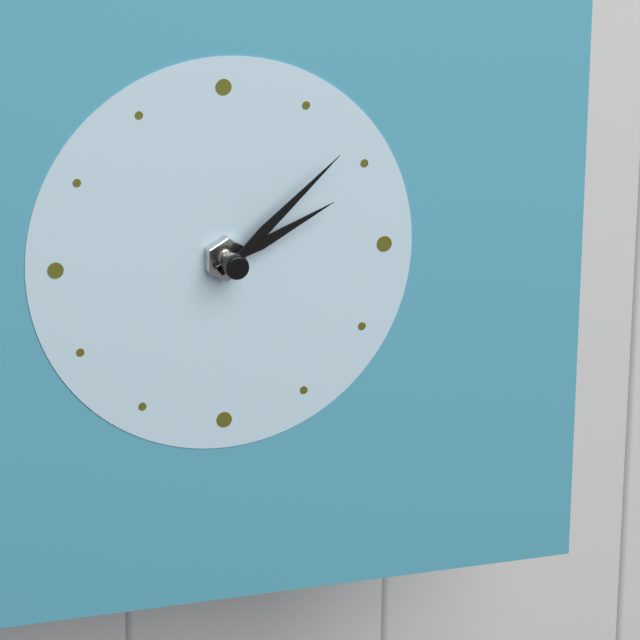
2.08
